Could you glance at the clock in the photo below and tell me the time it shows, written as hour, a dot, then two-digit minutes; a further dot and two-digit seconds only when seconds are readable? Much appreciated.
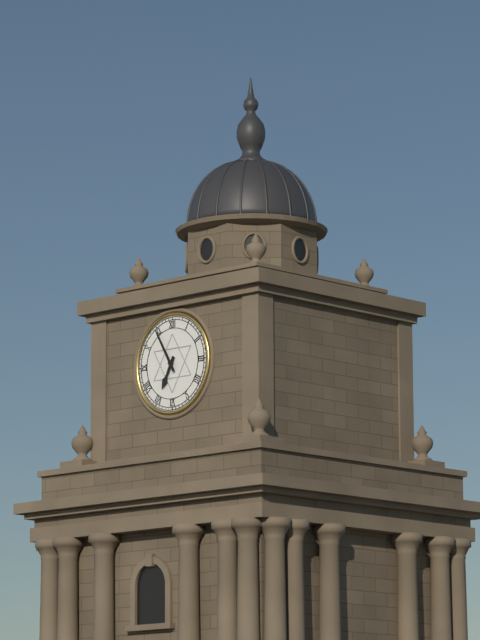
6.55
